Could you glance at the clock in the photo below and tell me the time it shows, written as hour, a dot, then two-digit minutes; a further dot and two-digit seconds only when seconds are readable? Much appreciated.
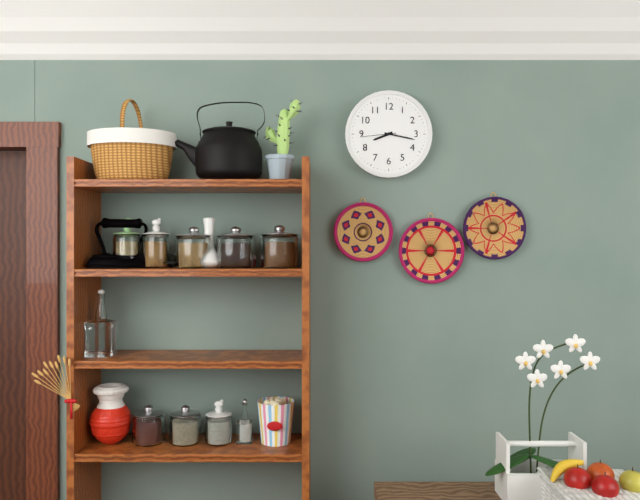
8.17
